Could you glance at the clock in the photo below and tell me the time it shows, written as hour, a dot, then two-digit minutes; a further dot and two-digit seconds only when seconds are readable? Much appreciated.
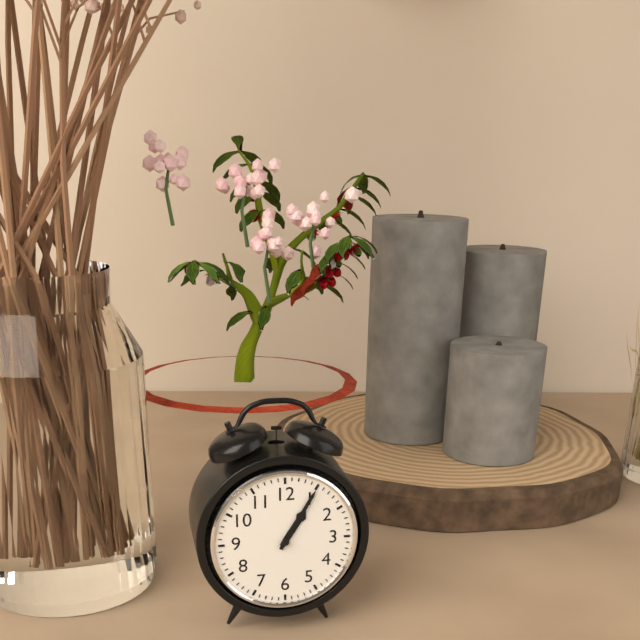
1.05
